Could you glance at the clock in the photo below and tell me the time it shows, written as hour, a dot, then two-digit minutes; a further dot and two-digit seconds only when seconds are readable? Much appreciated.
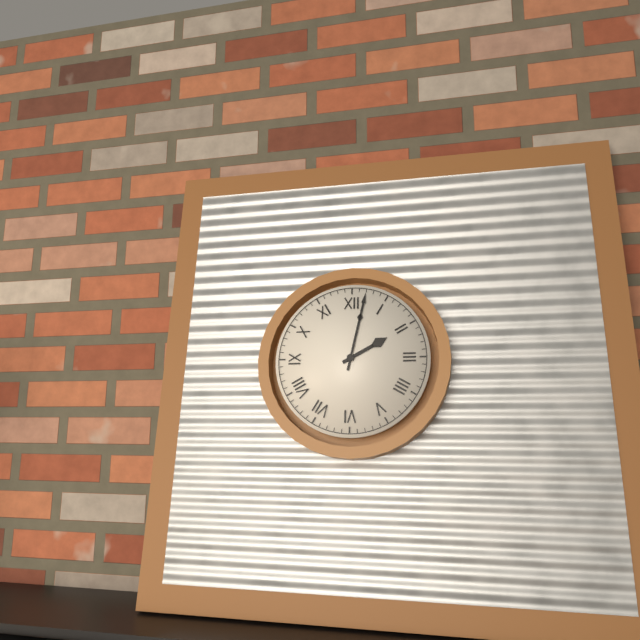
2.02
